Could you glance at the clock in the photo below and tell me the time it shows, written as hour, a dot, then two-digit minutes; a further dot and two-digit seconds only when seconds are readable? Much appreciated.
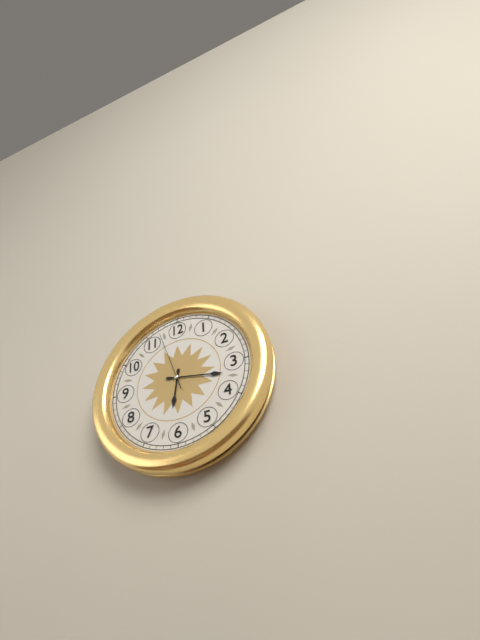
6.17.57
